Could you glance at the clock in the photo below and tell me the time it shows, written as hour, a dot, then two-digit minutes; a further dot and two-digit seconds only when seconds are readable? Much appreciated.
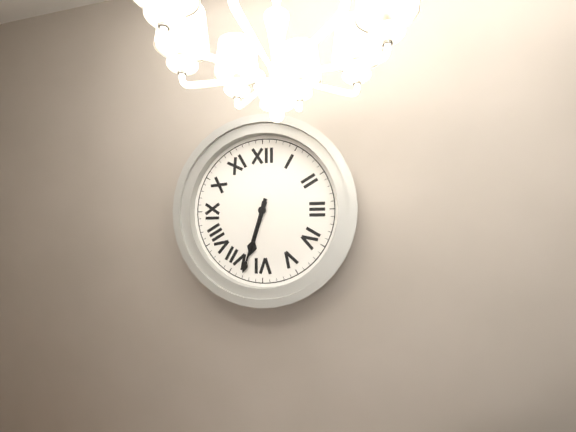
6.33
